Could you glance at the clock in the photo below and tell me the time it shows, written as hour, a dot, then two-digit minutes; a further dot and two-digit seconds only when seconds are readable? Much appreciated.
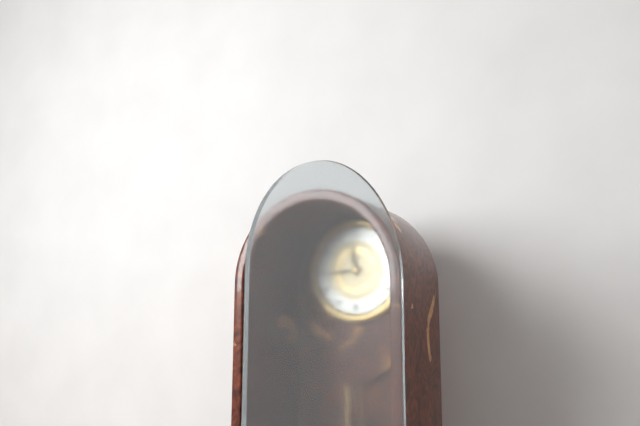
11.44
